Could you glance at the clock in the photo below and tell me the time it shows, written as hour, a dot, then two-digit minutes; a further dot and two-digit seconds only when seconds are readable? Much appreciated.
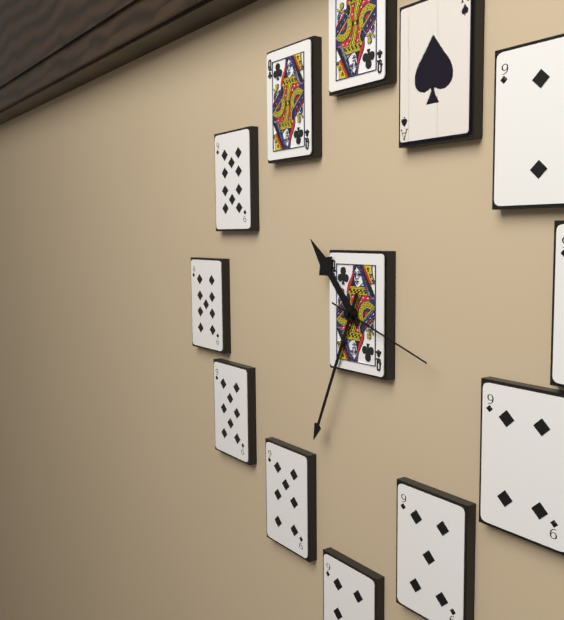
10.34.18
